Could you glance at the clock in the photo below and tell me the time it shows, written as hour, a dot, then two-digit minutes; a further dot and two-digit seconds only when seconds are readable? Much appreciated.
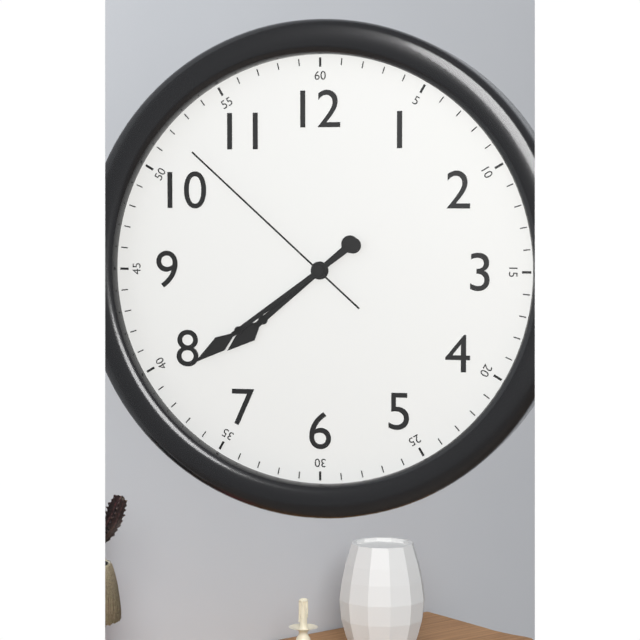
7.39.52
